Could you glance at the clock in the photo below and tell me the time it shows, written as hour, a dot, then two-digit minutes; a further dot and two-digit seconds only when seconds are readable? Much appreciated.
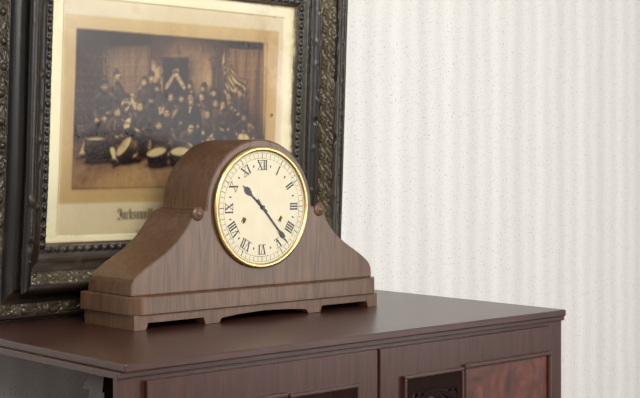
10.23
